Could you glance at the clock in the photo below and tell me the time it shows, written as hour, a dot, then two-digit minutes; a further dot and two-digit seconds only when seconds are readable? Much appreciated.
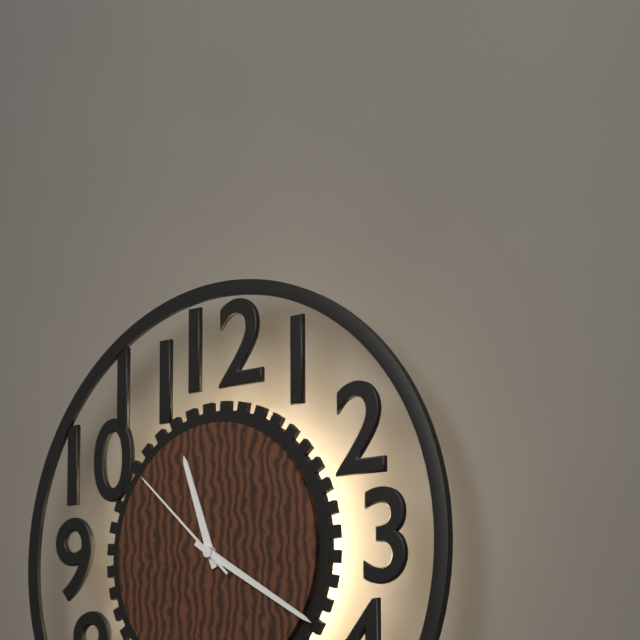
11.20.52
